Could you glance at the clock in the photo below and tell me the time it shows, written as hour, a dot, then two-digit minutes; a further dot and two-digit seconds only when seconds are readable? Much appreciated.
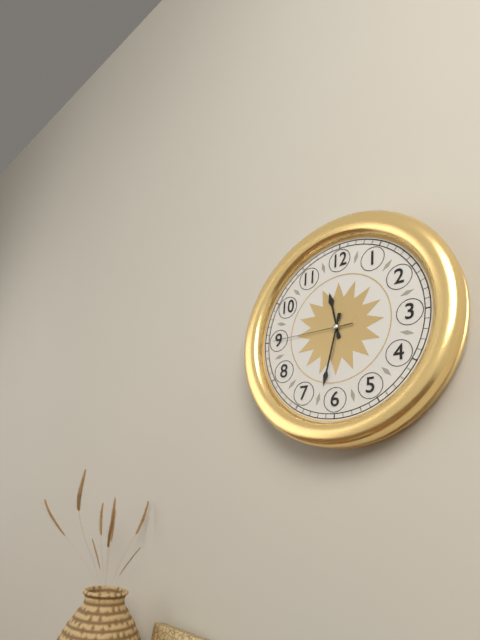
11.32.45
